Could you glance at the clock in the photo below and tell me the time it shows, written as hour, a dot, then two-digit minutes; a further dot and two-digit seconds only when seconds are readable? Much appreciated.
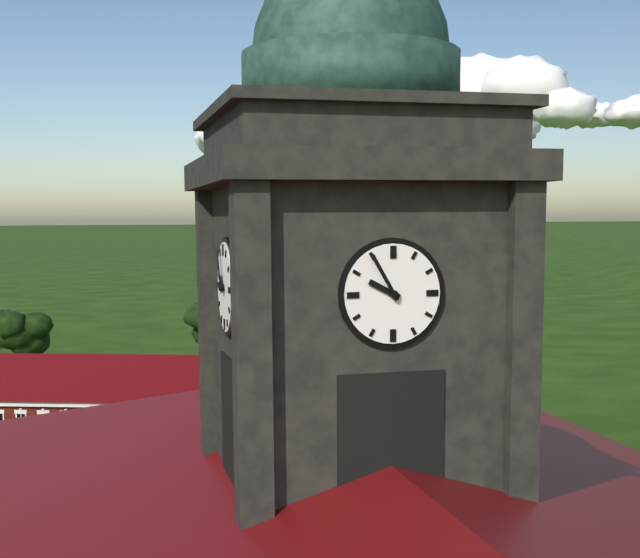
9.55
